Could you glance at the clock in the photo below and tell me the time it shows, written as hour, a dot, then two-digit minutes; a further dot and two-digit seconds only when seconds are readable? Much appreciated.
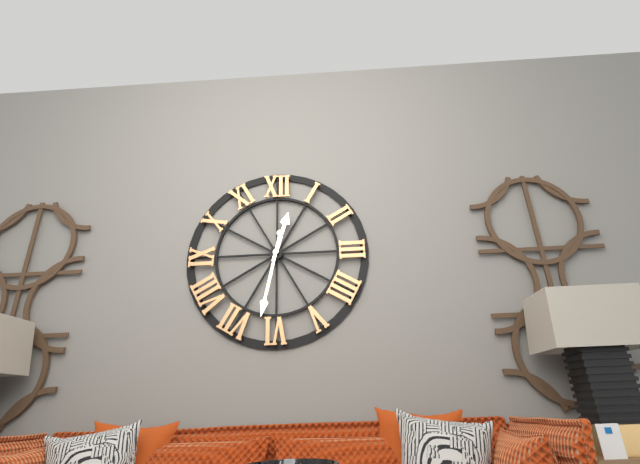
12.32
